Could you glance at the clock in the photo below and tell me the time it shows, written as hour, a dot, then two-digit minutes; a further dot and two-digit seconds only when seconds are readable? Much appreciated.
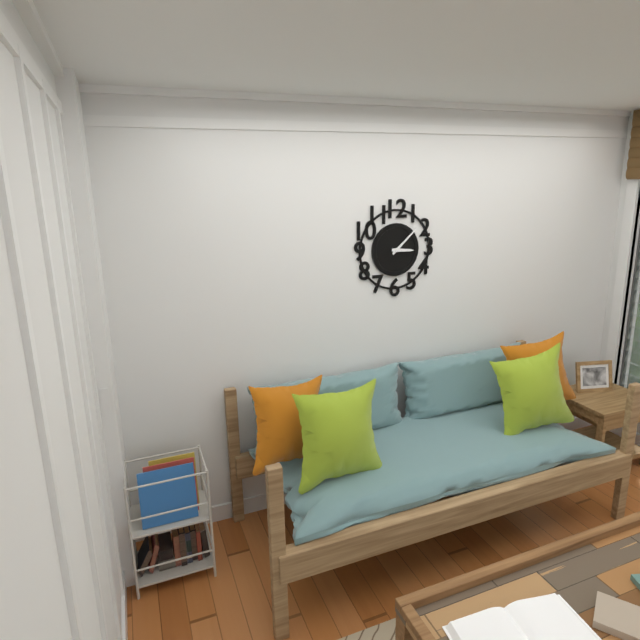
3.08
